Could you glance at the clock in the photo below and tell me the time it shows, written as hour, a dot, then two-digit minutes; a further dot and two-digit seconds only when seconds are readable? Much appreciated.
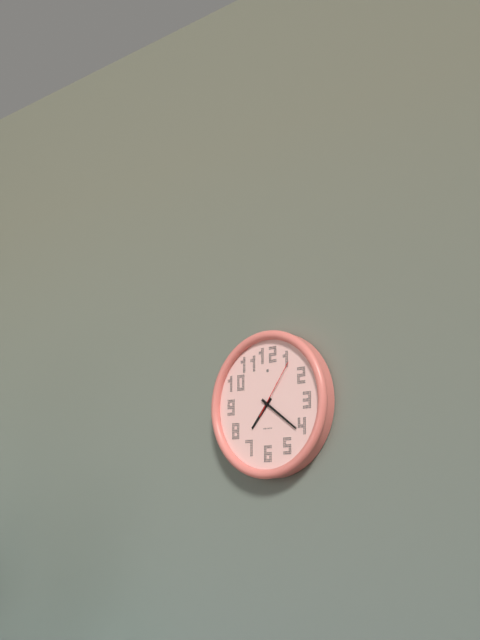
7.21.06
